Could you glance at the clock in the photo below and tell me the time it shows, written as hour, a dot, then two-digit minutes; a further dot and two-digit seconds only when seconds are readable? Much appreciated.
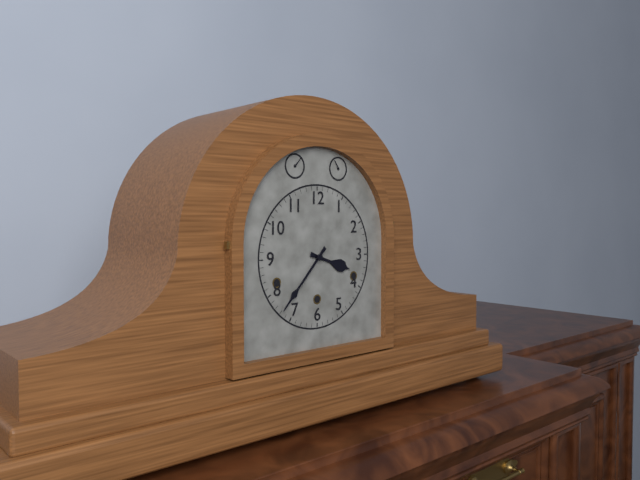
3.37
